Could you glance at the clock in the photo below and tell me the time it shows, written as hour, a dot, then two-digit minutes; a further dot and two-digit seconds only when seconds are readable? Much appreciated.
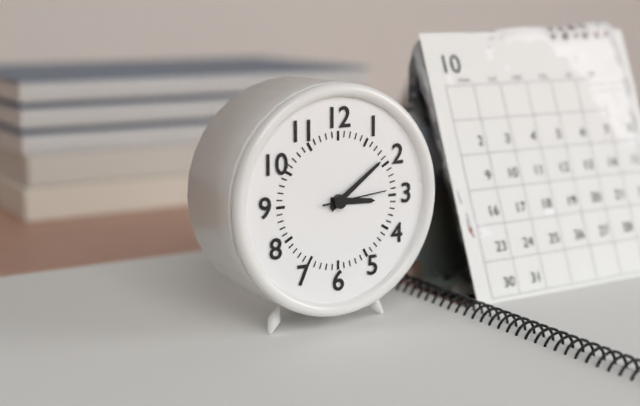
3.09.14
